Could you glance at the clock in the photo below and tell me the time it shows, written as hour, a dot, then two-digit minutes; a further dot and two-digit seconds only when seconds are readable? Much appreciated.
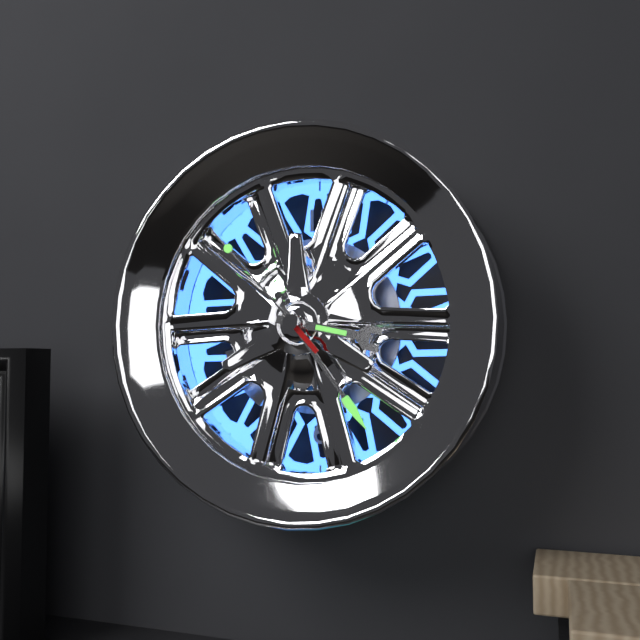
3.24.53
